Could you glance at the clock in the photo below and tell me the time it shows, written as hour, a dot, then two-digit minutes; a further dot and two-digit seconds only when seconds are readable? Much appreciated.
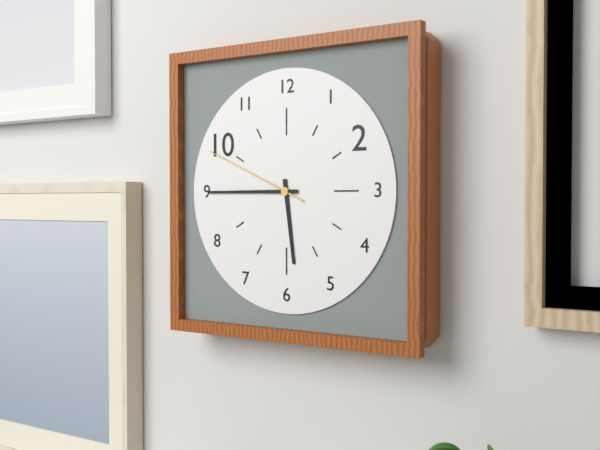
5.45.49
